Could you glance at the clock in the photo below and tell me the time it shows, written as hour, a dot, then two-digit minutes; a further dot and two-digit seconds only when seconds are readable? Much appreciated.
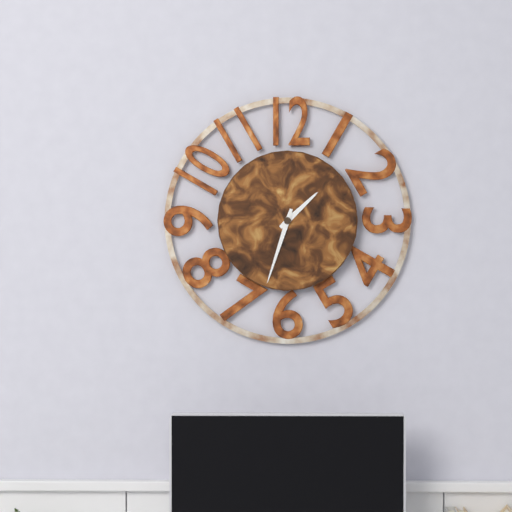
1.33
